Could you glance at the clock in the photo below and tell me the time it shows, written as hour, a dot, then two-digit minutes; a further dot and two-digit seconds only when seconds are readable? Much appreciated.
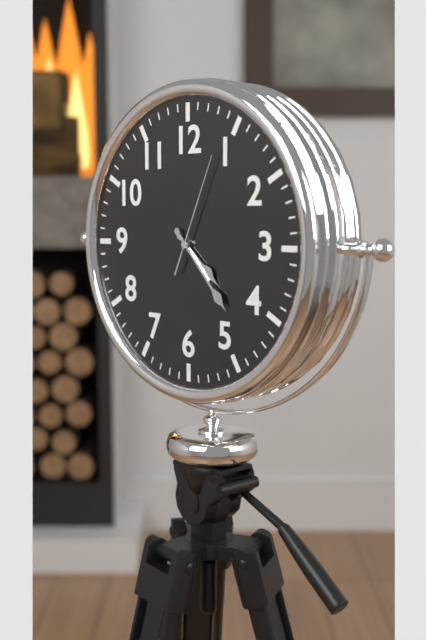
4.23.04
